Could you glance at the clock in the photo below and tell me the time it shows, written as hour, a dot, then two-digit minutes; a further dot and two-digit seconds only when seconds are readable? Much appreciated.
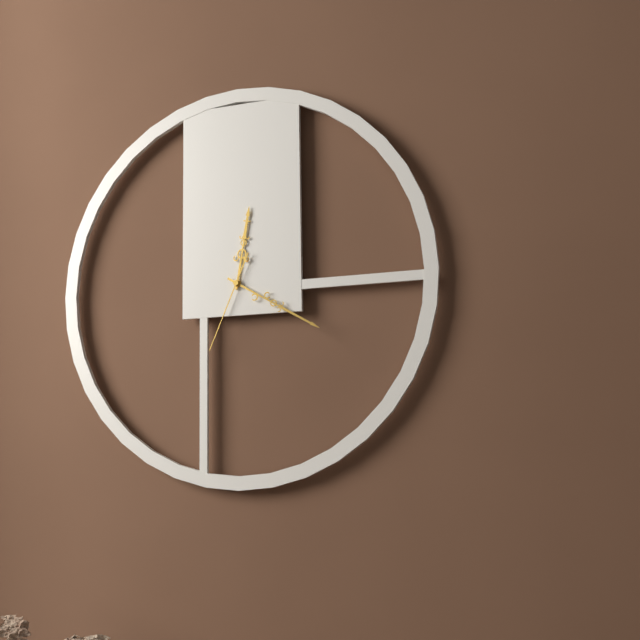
12.20.34
